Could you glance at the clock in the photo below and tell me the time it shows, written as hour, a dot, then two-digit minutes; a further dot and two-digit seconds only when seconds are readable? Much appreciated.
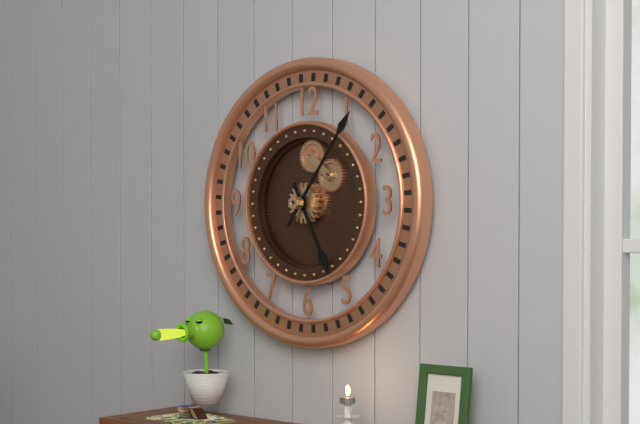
5.06
